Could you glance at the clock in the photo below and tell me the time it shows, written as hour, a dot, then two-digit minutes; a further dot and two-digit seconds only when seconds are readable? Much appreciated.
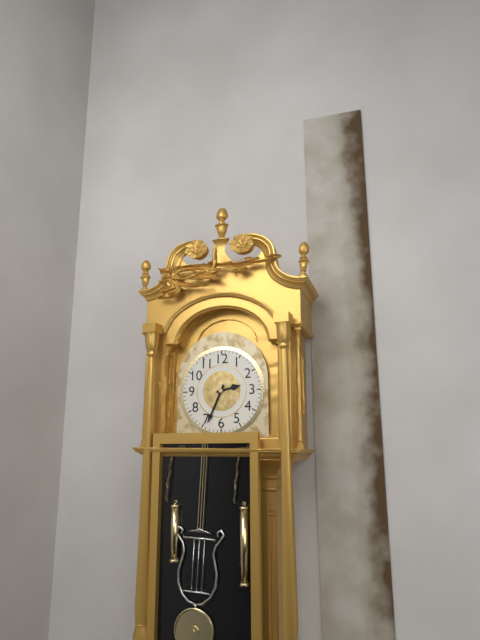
2.34
